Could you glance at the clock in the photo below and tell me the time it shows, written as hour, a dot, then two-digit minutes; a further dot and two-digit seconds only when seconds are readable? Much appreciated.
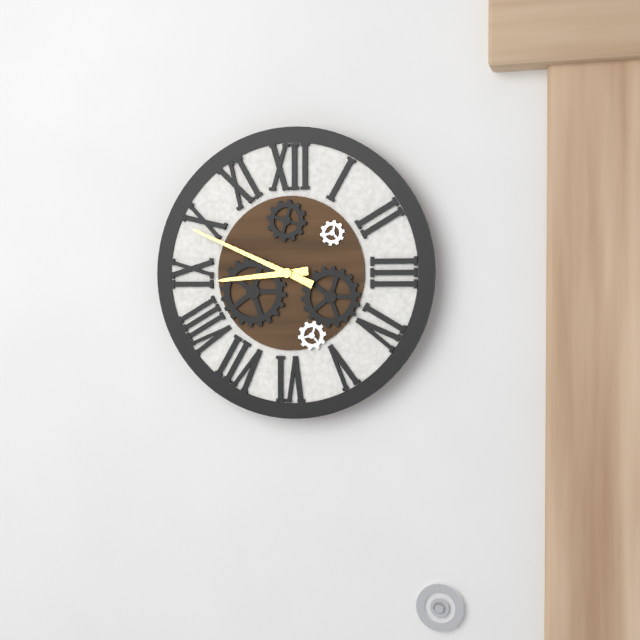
8.49
